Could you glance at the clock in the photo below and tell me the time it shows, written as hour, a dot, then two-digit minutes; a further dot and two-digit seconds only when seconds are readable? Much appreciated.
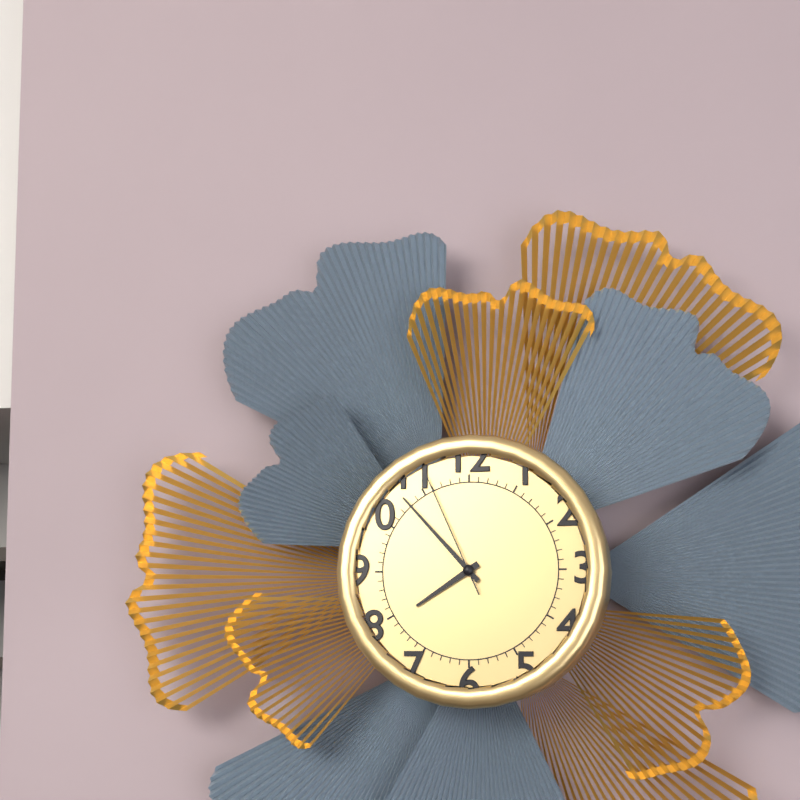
7.53.56
